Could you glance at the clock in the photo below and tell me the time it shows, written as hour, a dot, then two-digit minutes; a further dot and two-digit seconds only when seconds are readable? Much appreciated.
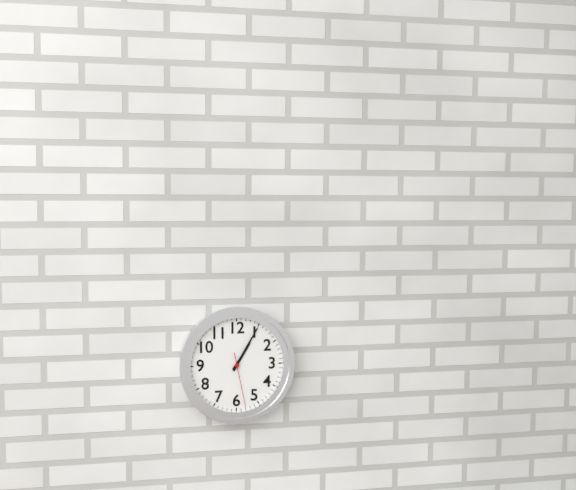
1.05.28
